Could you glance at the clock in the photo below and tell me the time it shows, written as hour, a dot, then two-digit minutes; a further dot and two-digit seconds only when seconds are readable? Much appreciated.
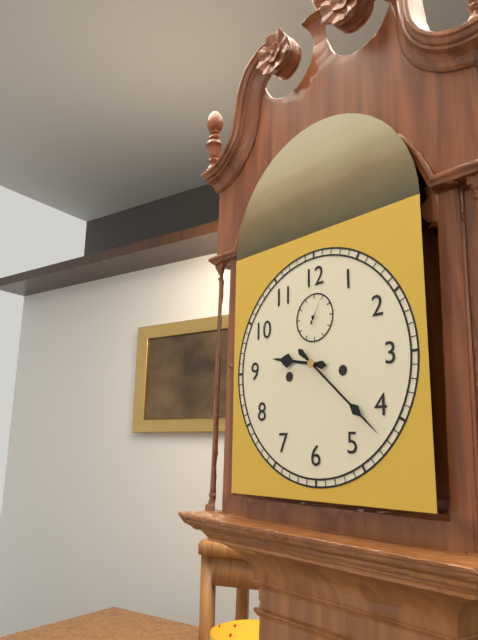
9.22
